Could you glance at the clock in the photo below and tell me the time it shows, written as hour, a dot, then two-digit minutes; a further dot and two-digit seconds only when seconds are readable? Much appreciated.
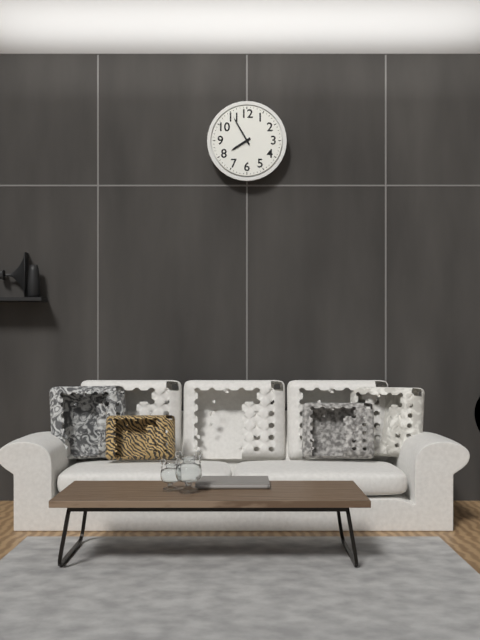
7.55
